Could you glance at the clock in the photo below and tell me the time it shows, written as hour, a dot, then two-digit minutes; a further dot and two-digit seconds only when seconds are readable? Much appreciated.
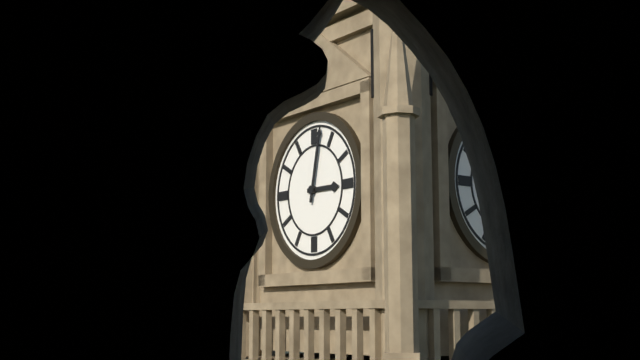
3.02
